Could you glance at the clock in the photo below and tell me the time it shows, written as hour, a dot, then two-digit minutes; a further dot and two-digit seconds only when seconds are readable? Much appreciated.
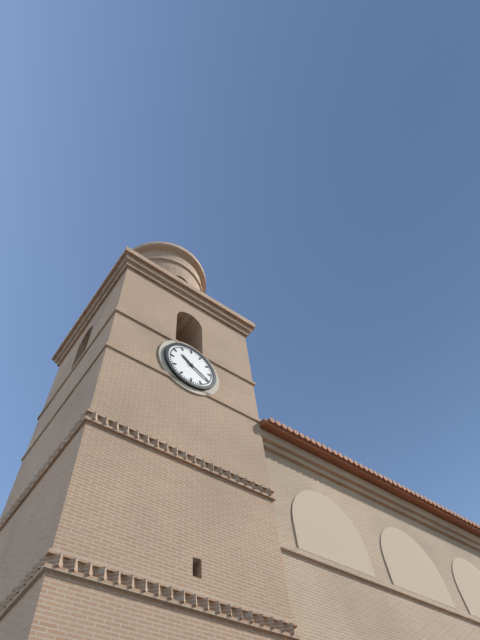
10.20
